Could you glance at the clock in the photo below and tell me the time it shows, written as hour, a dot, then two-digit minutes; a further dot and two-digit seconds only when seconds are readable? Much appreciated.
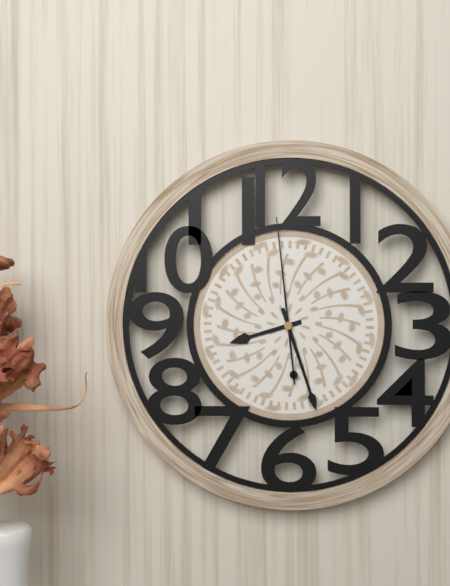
8.27.59
